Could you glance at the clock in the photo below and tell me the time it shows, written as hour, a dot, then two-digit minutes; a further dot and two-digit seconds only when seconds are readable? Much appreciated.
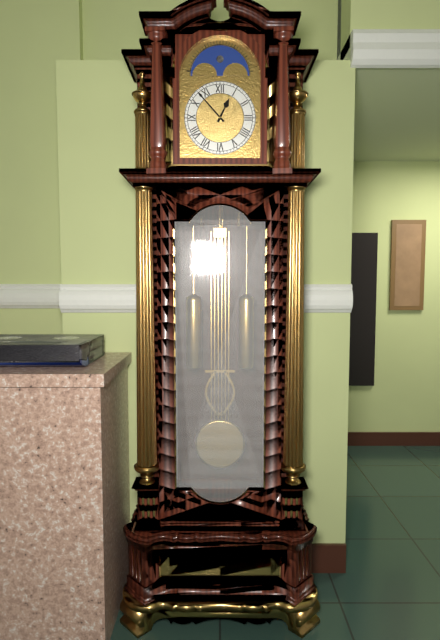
12.53
